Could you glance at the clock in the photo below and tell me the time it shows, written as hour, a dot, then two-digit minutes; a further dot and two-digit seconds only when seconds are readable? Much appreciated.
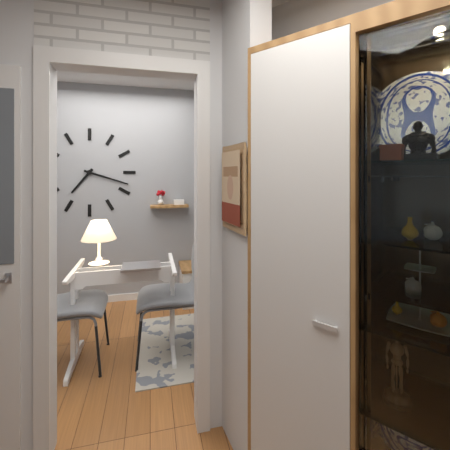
7.18
